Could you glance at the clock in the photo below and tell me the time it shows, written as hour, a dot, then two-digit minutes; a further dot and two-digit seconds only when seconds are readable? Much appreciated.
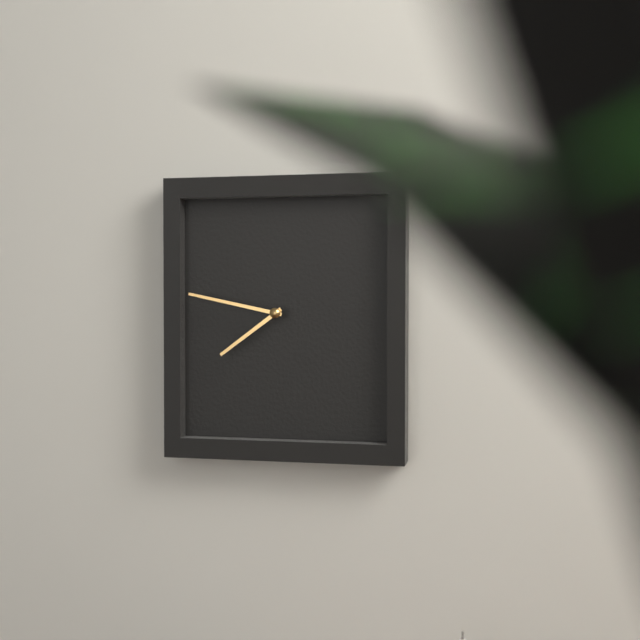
7.47
